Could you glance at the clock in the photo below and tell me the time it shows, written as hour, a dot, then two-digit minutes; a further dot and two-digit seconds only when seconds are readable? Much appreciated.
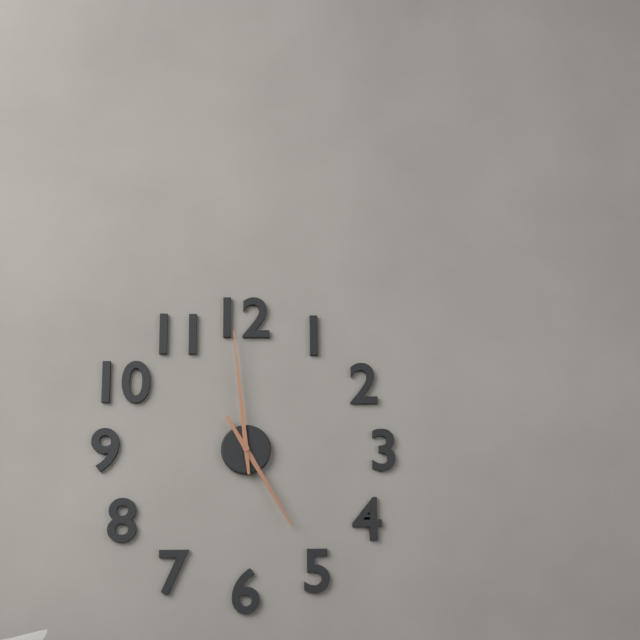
4.59
